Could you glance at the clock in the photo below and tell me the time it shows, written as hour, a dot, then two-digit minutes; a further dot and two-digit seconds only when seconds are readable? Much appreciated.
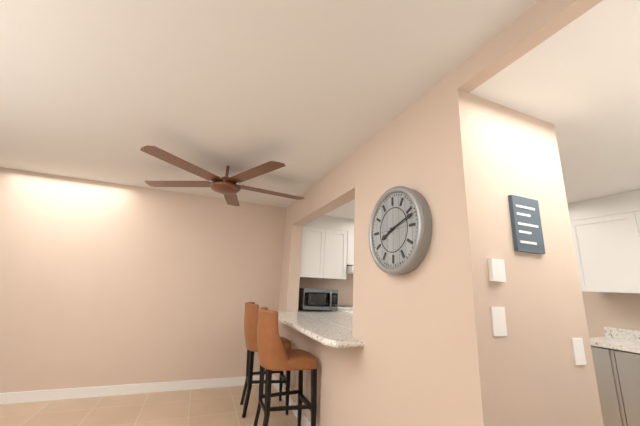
8.12
